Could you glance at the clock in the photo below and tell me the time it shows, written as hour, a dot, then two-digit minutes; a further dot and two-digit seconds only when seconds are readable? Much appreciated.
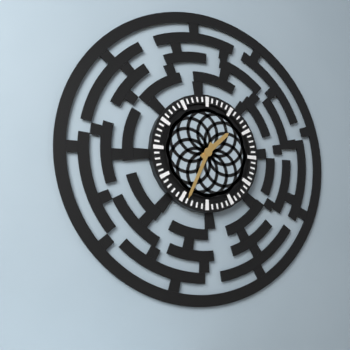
1.34
